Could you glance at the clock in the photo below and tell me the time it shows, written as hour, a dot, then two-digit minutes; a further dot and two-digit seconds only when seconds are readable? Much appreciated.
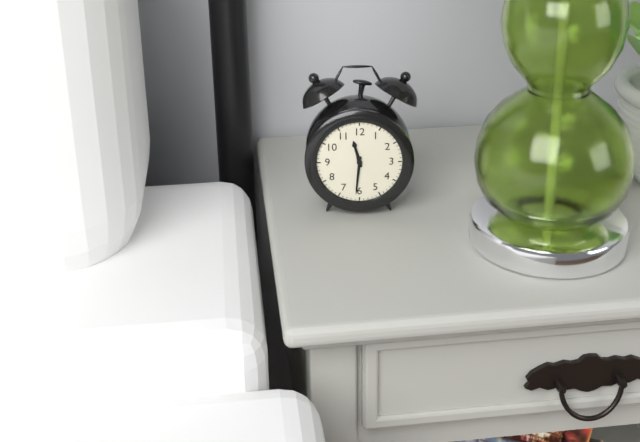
11.31
